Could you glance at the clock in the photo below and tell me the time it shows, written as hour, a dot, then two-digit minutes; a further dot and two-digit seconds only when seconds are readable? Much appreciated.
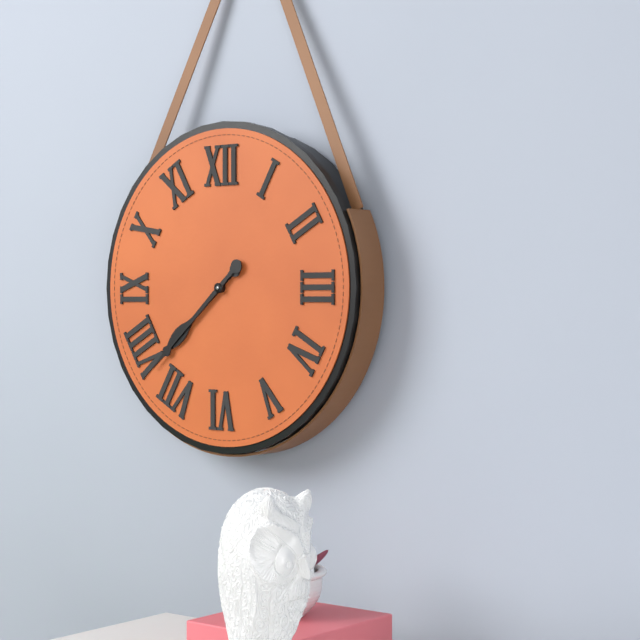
7.38
